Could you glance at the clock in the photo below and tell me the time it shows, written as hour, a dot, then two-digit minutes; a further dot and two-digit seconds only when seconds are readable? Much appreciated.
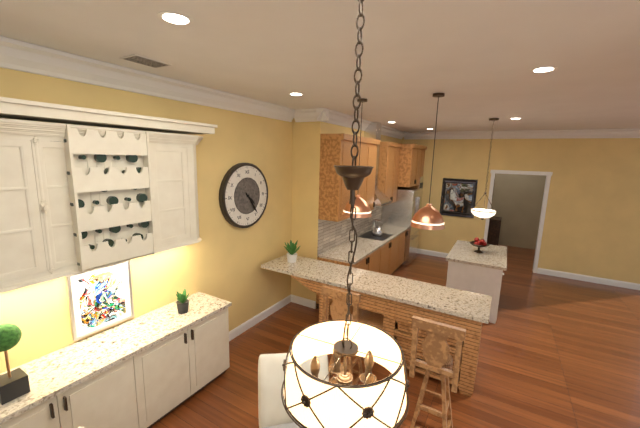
4.24
